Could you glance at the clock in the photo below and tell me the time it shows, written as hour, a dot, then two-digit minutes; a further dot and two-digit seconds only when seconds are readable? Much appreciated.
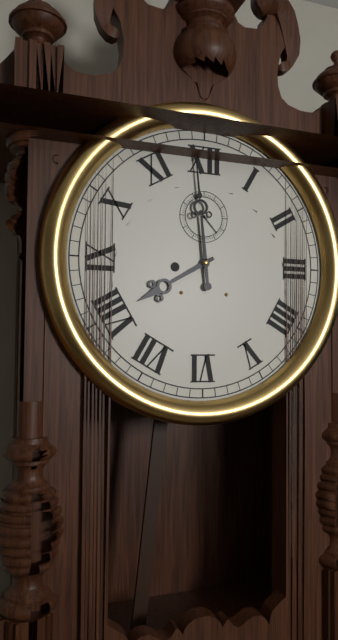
7.59
